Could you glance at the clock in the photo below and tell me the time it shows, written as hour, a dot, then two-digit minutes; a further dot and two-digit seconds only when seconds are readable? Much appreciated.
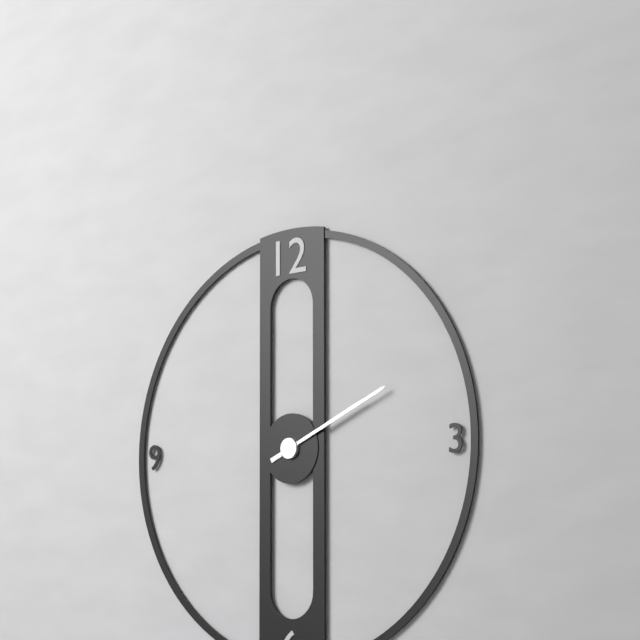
2.11
